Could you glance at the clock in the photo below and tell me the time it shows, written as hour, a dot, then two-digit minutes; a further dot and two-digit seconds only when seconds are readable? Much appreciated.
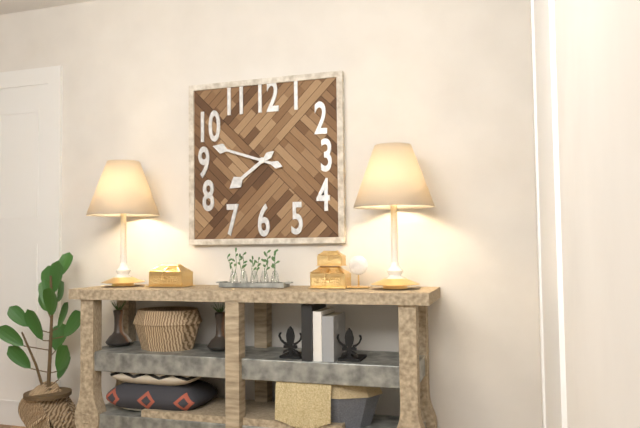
7.48
